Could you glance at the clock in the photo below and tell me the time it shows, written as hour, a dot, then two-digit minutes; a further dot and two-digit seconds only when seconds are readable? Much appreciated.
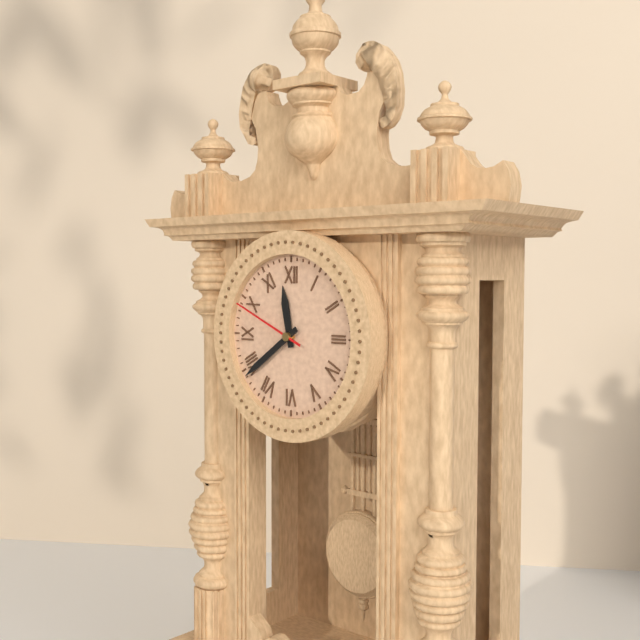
11.39.49
